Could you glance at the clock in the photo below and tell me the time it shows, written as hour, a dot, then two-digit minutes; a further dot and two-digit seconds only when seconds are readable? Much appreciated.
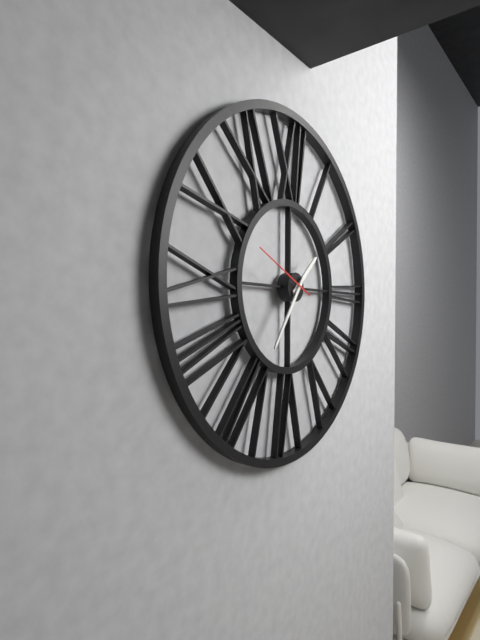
1.36.49
